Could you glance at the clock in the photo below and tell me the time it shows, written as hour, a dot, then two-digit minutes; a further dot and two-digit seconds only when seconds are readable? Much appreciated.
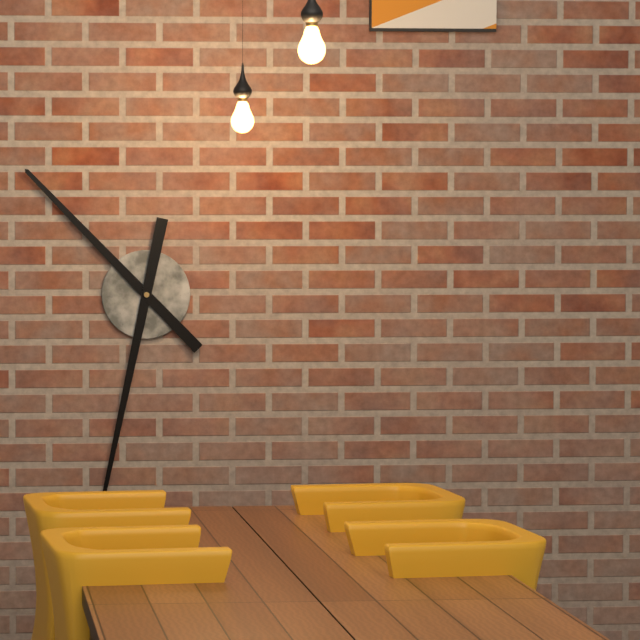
10.32
